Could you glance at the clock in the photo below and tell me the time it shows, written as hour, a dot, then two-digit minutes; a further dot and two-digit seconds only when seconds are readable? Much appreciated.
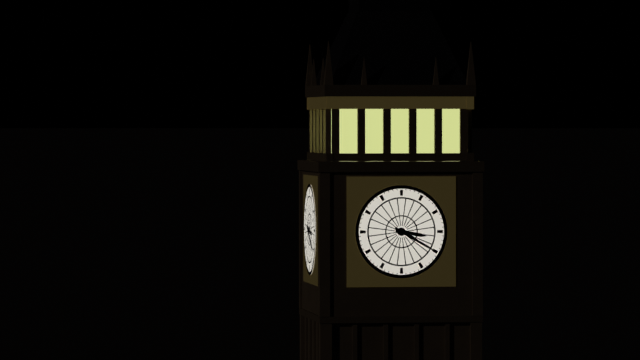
3.20
